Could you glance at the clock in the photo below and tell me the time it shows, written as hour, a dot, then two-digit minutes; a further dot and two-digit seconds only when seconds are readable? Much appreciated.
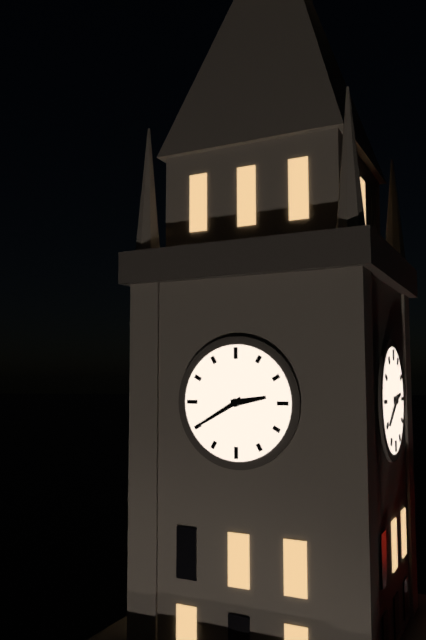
2.40
